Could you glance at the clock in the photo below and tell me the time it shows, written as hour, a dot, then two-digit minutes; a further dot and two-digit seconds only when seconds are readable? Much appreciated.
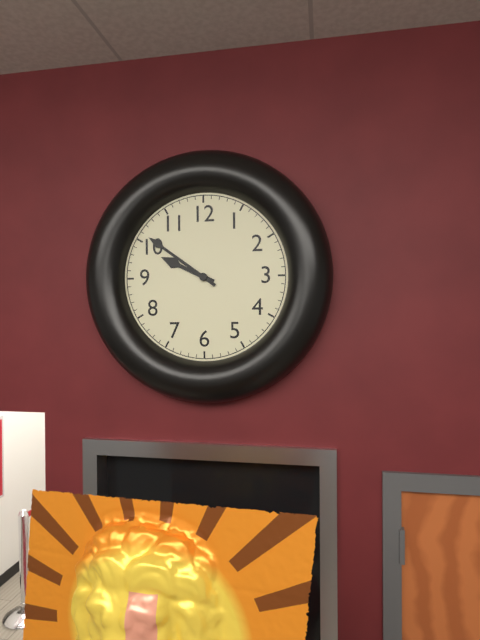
9.51
